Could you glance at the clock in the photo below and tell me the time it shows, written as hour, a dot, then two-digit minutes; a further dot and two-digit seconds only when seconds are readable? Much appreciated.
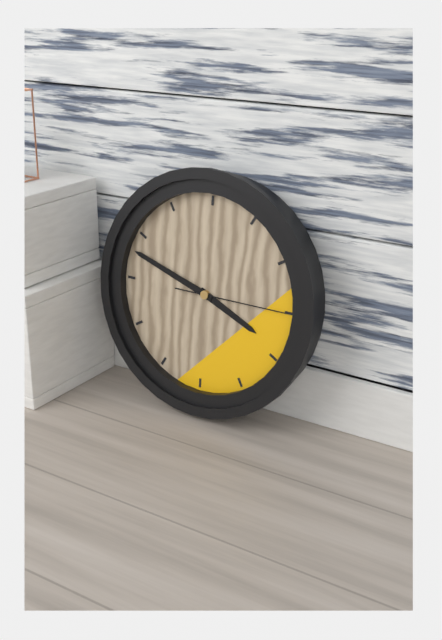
3.48.15
